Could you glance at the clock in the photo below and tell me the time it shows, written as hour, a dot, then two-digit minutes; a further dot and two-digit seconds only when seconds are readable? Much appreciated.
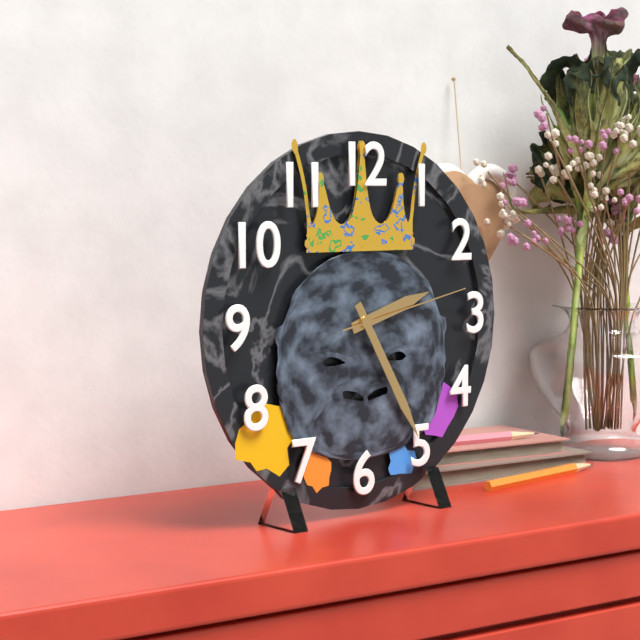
2.25.13
